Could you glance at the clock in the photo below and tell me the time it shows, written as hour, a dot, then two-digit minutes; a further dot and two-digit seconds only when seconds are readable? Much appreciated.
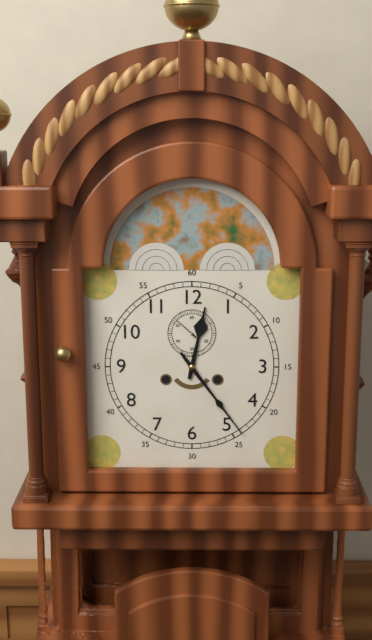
12.24
